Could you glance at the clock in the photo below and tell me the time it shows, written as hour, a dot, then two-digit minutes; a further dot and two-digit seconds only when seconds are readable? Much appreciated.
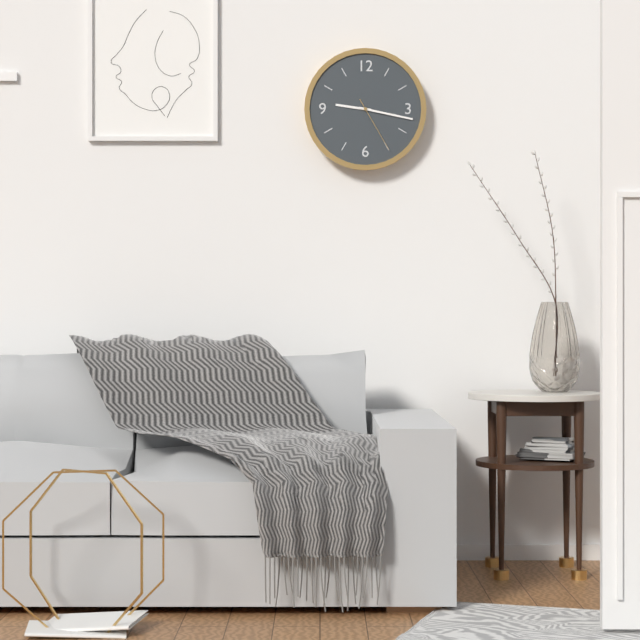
9.17.25
